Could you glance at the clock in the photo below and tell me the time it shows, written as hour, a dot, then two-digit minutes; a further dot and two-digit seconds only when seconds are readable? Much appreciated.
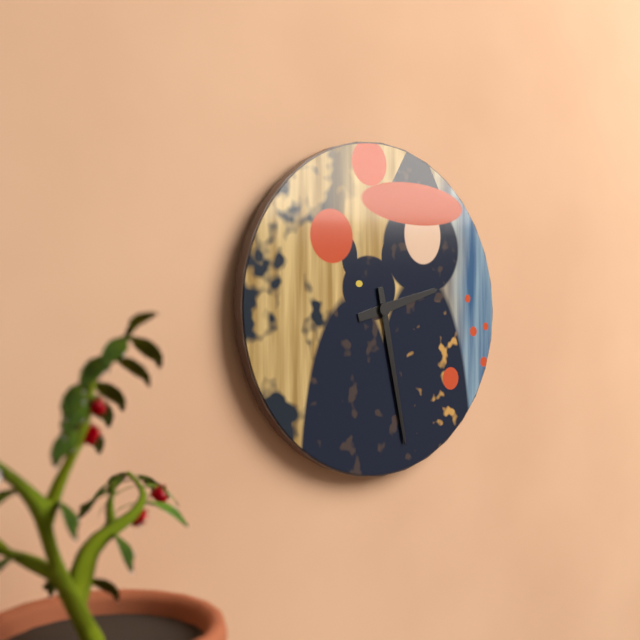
2.28
